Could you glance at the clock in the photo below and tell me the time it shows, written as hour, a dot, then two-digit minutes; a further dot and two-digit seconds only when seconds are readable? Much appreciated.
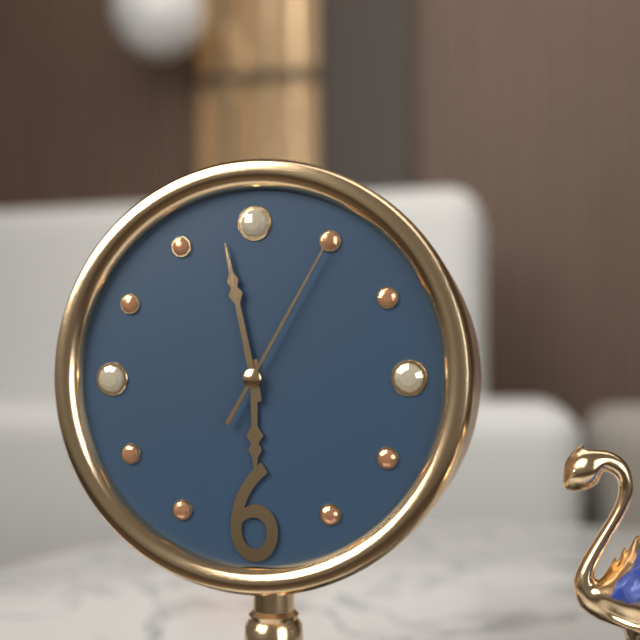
5.58.05
